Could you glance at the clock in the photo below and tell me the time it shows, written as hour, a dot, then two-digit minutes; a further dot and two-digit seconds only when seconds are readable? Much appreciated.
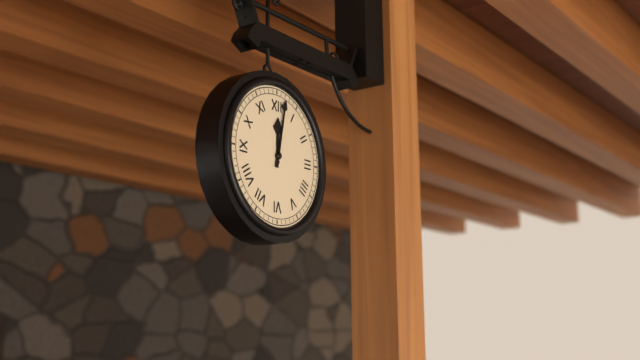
12.02
